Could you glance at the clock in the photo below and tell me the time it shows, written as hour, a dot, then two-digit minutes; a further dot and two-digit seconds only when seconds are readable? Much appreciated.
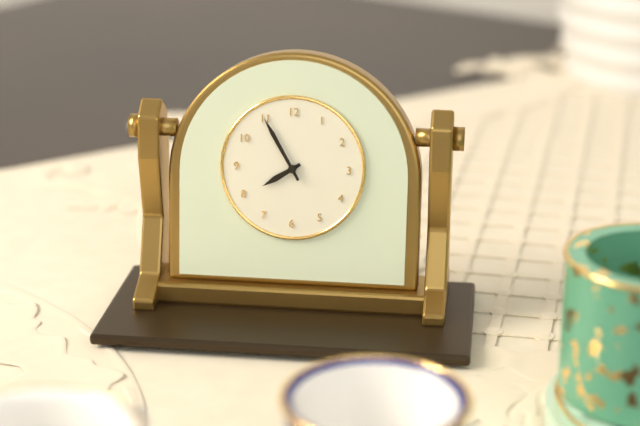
7.55
